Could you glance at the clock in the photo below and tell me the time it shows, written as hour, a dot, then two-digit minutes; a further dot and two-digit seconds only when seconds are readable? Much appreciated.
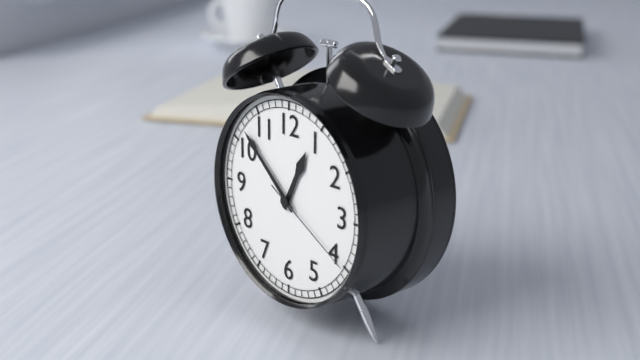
12.52.20
